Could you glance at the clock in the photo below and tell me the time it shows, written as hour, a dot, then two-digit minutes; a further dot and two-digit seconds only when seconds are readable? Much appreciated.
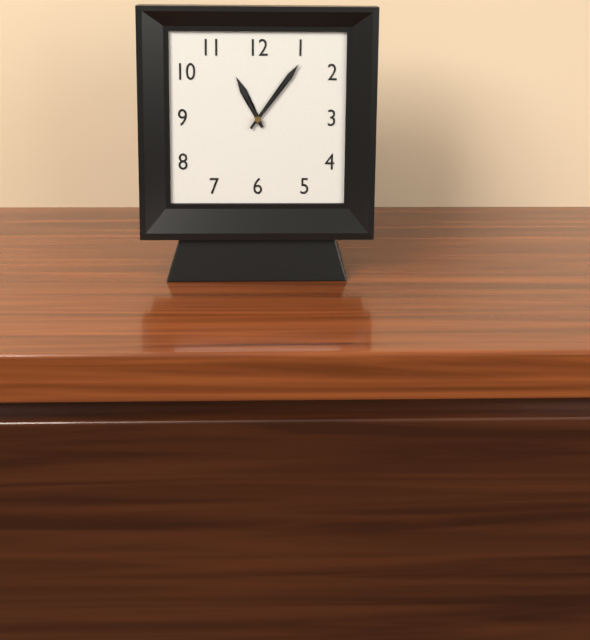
11.06
